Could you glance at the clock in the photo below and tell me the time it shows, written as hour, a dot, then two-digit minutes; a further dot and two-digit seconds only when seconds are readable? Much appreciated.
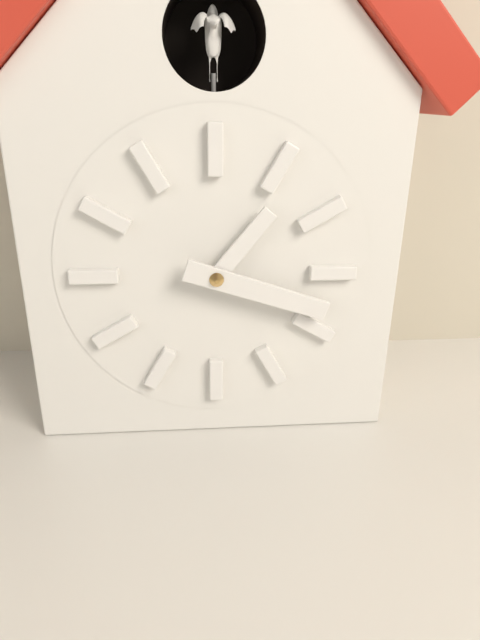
1.18
